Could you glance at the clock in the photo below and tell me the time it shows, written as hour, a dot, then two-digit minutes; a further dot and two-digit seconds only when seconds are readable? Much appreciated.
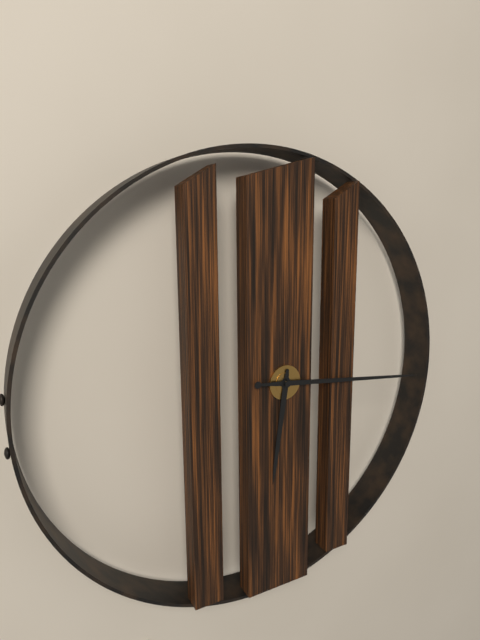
6.16
